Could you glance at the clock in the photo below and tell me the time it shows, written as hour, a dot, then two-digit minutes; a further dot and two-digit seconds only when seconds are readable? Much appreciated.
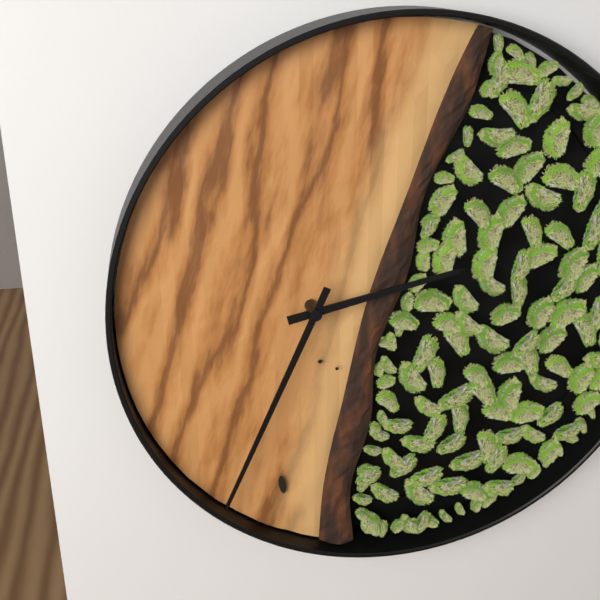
2.34
